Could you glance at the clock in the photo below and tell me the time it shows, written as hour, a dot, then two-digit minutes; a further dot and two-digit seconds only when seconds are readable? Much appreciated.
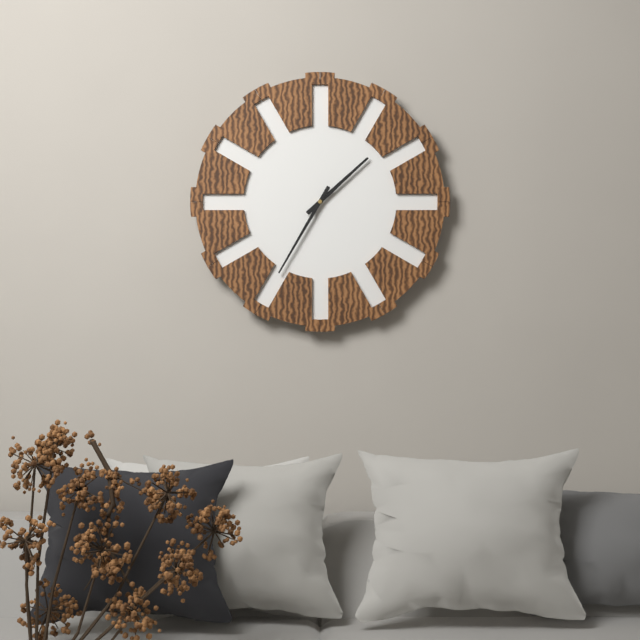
1.35
